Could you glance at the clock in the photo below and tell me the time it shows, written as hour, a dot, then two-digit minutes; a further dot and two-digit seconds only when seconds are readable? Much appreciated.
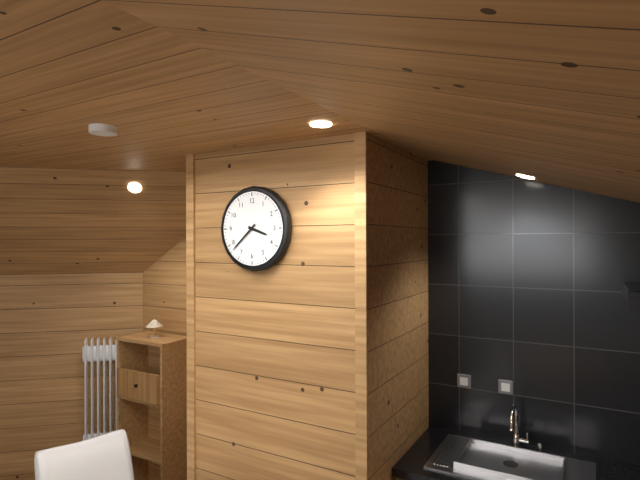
3.38
